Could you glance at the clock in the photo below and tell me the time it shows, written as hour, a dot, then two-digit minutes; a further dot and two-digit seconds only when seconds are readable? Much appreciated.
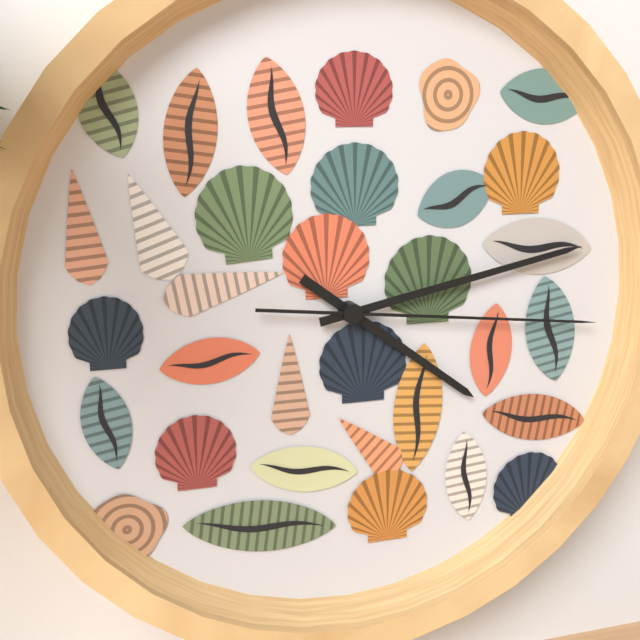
4.13.16
